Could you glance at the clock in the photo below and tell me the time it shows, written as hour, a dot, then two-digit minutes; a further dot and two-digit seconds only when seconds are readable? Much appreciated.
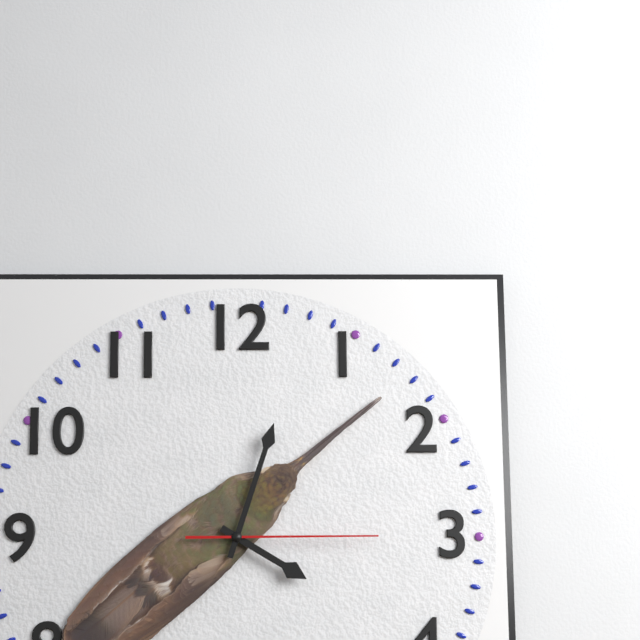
4.03.15
